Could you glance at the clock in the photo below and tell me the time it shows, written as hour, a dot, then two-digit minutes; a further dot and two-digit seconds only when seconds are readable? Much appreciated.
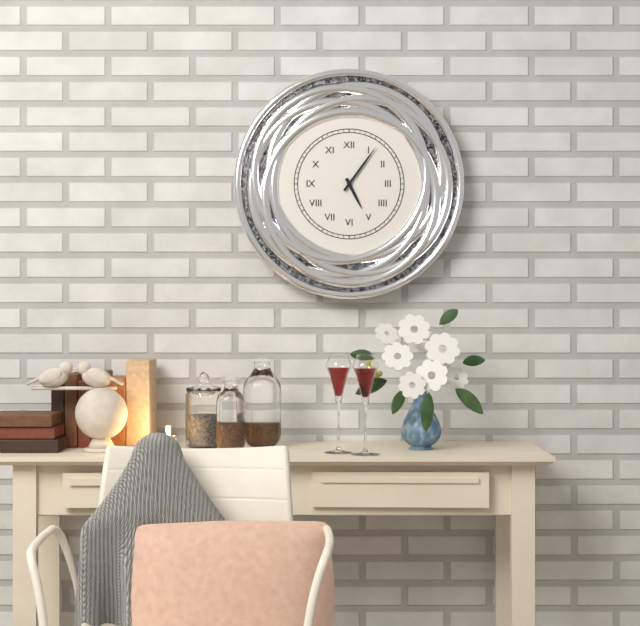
5.06
